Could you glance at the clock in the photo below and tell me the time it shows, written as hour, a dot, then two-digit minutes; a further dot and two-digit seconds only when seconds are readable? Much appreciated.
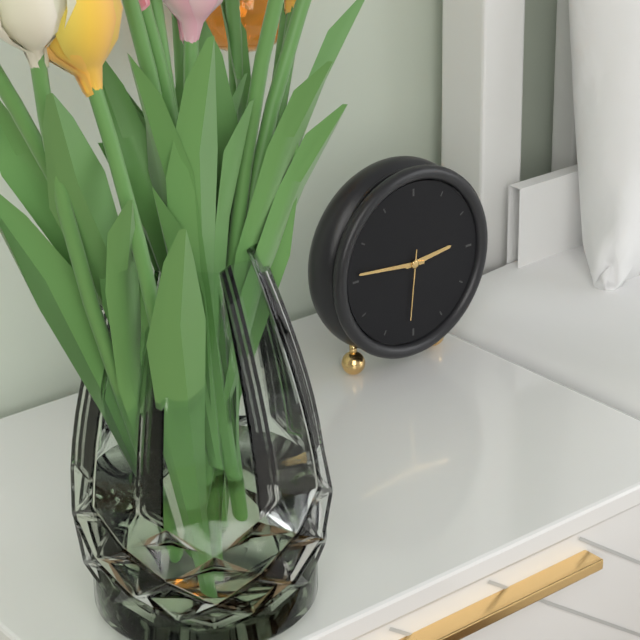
2.46.31
